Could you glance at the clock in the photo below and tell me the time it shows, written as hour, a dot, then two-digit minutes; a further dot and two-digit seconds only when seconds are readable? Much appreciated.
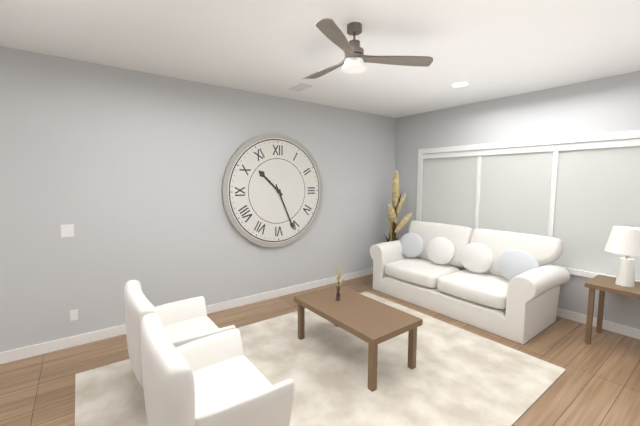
10.26
